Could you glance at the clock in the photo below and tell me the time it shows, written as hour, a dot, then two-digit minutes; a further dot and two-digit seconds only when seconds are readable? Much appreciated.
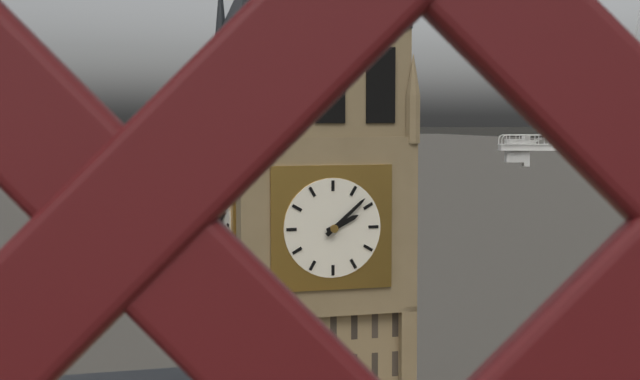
2.08
